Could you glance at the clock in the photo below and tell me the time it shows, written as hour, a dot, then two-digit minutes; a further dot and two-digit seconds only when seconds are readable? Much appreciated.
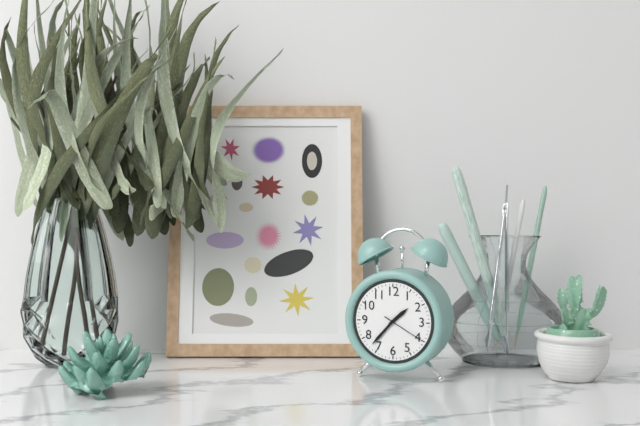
1.37
